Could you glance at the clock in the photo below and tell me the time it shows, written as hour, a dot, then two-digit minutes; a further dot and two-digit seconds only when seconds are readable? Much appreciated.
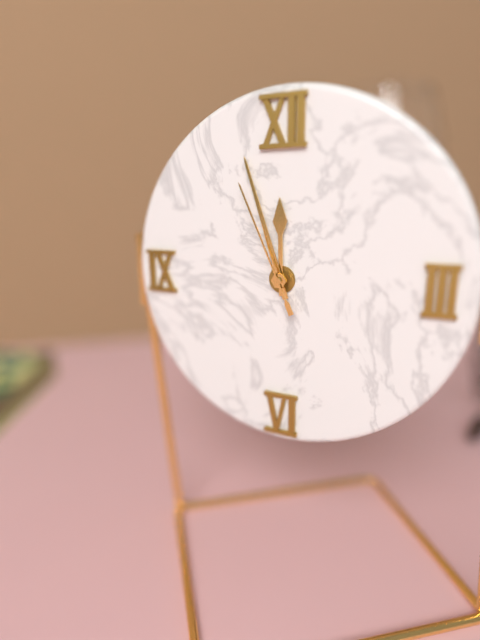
11.57.56
